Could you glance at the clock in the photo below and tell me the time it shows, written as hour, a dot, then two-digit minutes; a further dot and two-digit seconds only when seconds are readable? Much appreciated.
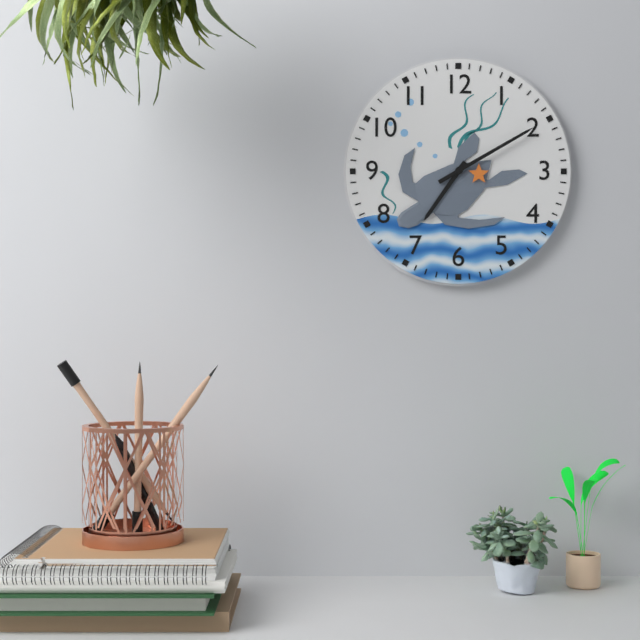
7.10
